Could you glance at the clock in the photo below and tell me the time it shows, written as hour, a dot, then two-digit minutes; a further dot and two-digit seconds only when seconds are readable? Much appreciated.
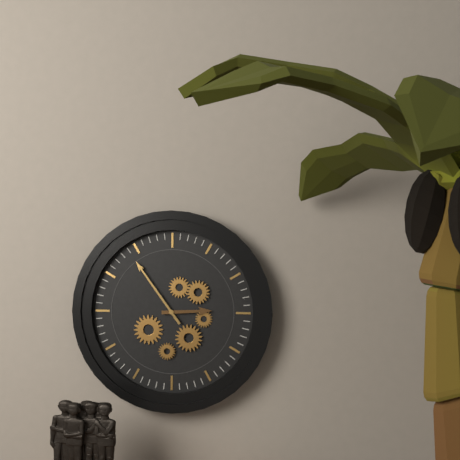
2.54
